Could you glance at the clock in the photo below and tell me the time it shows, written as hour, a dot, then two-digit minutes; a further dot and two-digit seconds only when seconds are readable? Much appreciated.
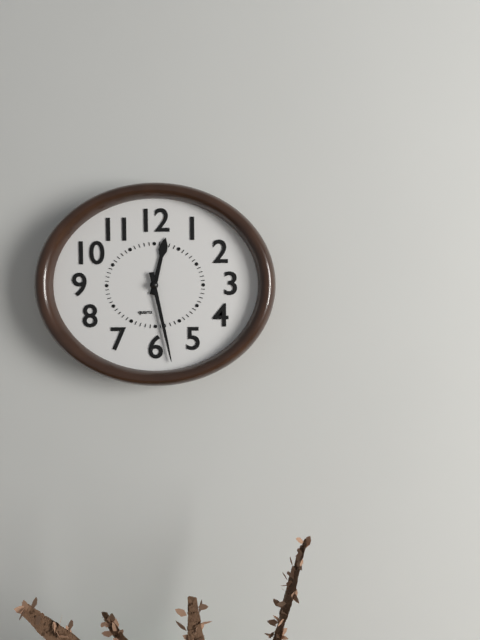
12.28
